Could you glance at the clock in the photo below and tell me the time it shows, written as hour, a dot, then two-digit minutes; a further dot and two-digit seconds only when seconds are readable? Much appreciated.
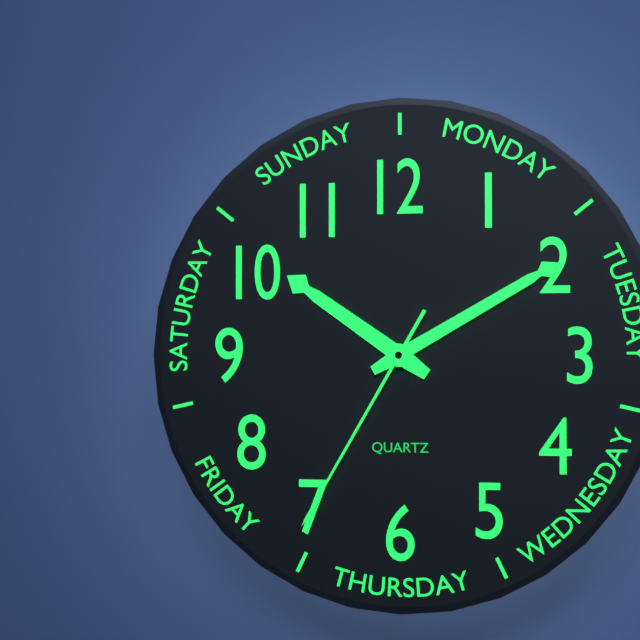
10.10.35
